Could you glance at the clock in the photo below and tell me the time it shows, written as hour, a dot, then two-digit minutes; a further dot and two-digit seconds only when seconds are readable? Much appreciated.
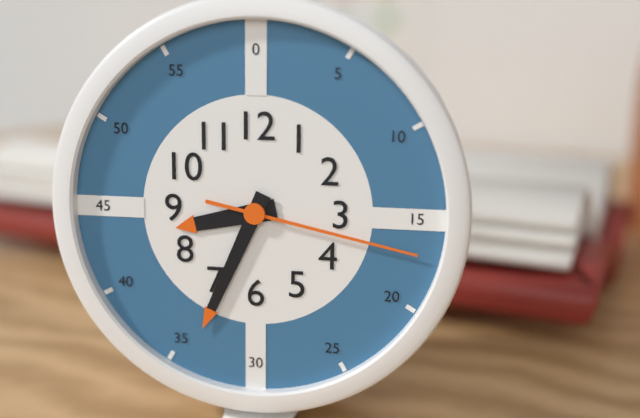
8.34.17
